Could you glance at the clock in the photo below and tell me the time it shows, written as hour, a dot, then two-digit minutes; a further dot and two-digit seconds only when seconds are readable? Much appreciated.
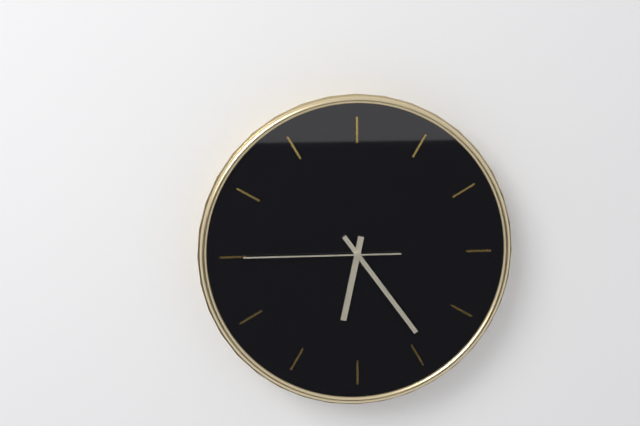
6.24.45
